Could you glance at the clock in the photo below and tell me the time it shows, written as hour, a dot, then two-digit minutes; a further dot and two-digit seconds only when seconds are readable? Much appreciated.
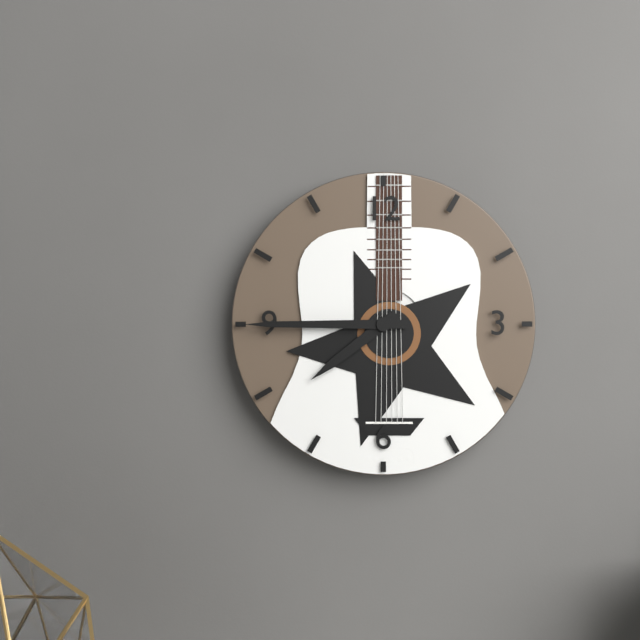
7.45
